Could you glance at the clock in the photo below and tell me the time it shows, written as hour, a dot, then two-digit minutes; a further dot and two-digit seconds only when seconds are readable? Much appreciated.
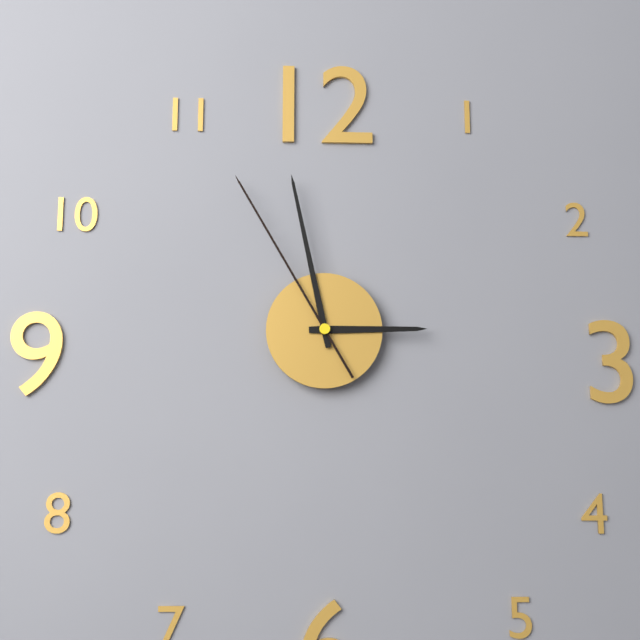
2.58.55
